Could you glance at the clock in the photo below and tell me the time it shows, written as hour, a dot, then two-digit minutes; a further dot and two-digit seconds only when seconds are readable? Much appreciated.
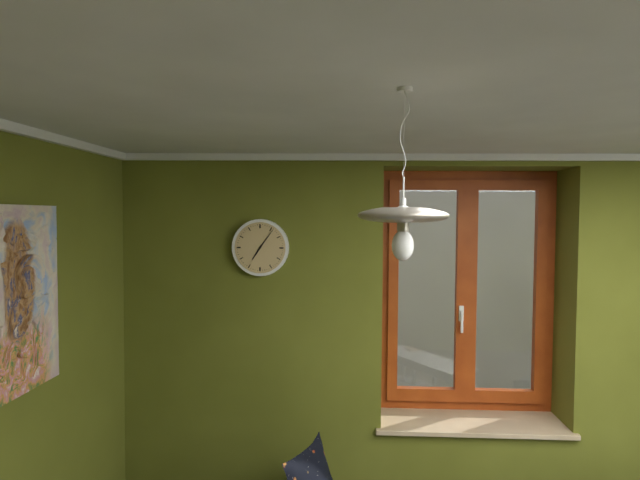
7.06
